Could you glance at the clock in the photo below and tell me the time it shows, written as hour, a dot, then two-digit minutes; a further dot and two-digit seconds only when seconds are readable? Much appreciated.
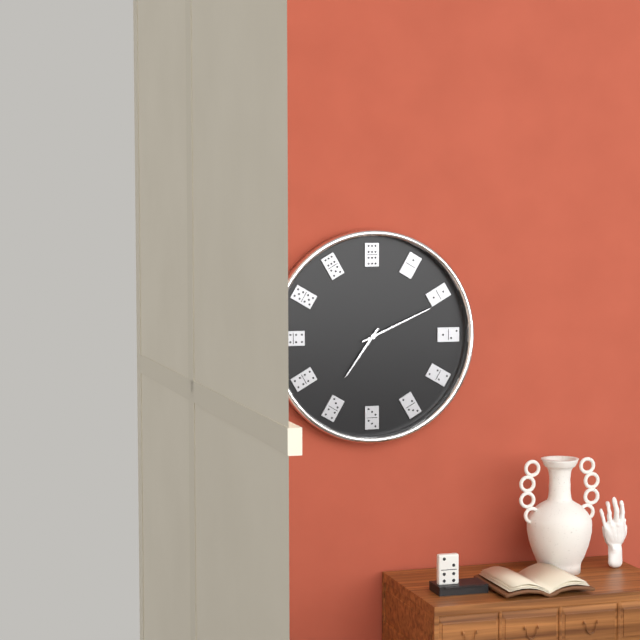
7.11
